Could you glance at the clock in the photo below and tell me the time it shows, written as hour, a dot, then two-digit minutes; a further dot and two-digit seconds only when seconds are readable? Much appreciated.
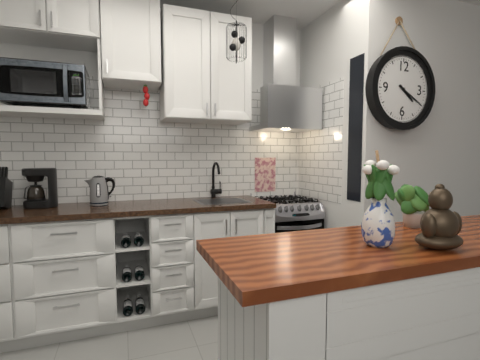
4.20
